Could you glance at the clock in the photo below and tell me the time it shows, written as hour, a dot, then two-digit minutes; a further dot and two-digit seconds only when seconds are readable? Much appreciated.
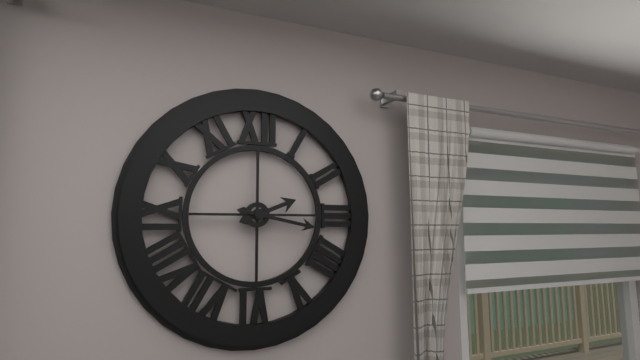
2.17
